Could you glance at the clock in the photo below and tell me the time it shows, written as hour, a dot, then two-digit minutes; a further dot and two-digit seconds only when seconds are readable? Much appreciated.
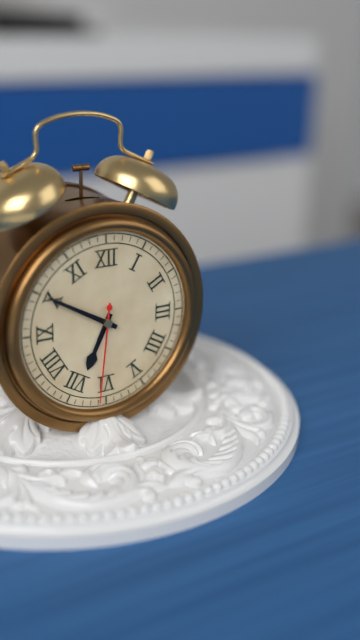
6.50.31
